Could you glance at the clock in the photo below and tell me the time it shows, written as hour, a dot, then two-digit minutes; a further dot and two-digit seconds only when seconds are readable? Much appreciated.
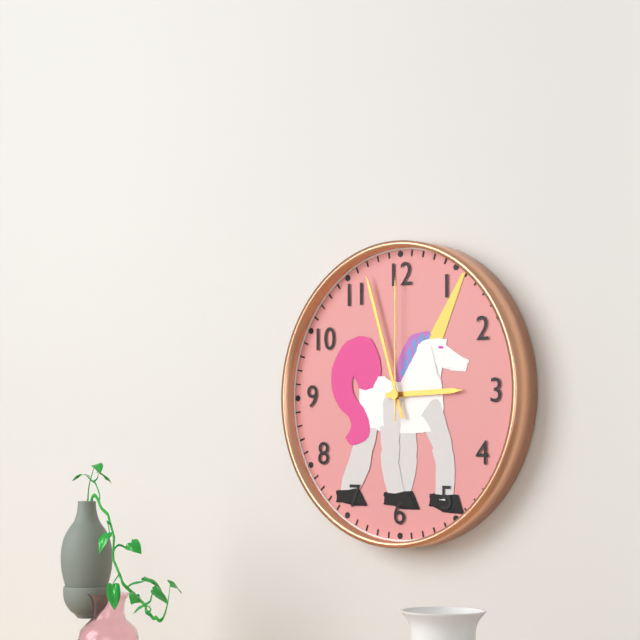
2.57.00
